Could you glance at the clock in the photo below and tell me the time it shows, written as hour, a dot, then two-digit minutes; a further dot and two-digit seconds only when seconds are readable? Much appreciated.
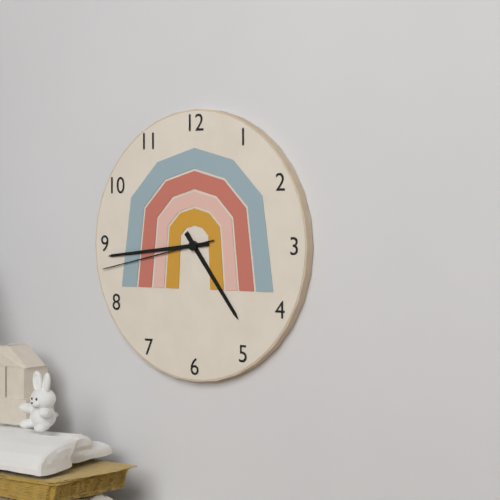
4.44.43
